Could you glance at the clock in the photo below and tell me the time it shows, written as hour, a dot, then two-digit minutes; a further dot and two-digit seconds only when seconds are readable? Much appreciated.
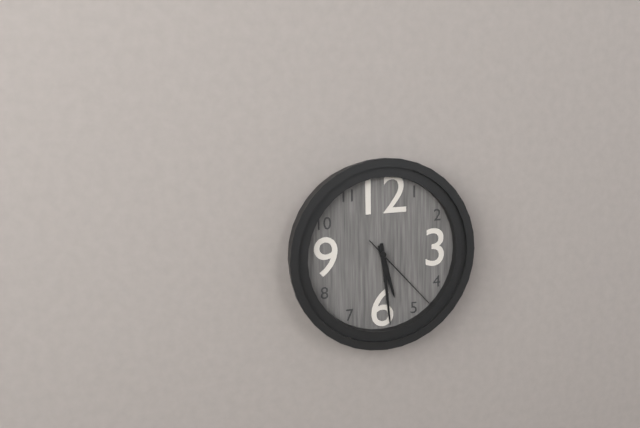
5.29.23
